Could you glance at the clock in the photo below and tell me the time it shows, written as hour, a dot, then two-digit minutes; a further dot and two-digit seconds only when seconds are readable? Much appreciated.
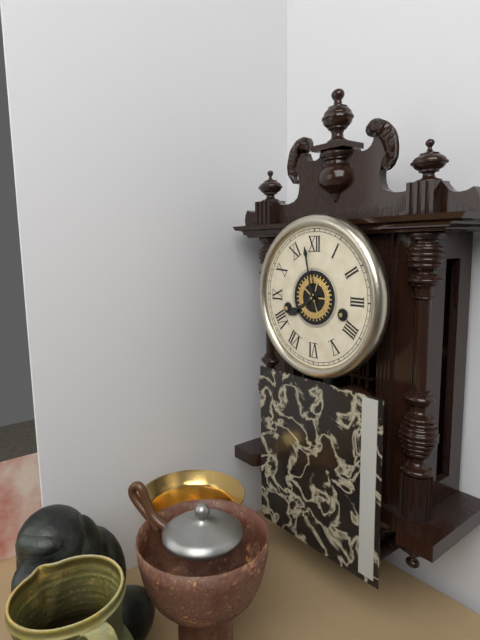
7.58
